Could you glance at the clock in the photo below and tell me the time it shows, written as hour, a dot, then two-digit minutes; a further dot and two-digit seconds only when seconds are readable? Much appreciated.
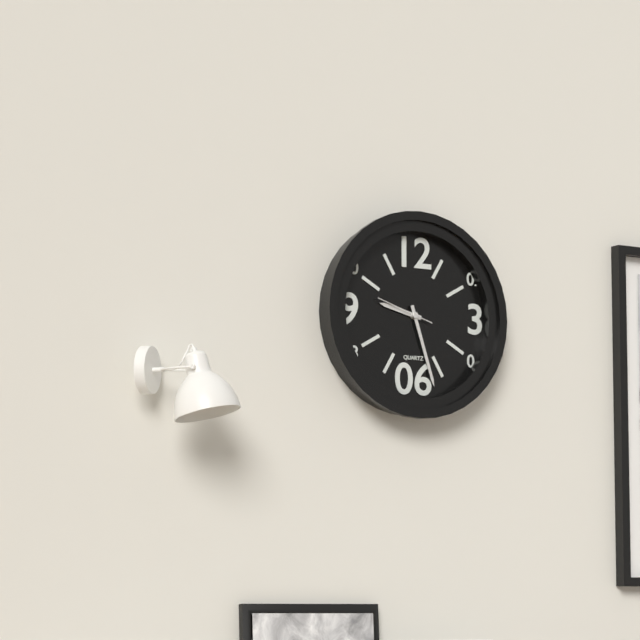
9.27
